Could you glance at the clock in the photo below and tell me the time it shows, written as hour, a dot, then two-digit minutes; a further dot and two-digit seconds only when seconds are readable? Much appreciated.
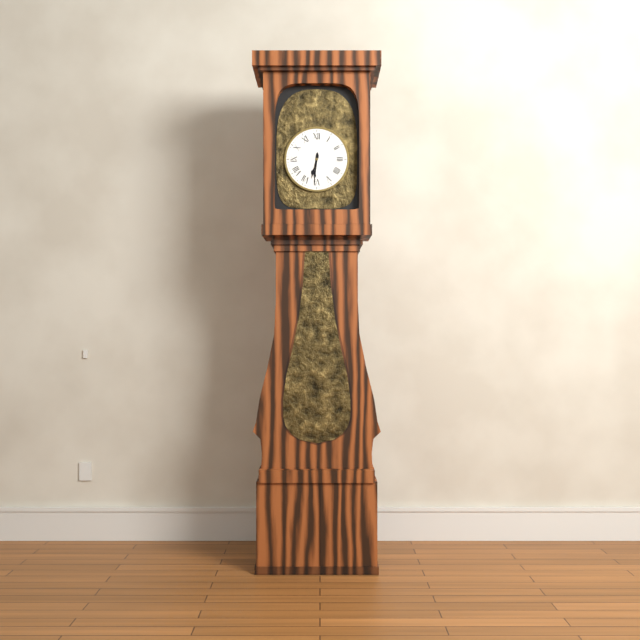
6.31
